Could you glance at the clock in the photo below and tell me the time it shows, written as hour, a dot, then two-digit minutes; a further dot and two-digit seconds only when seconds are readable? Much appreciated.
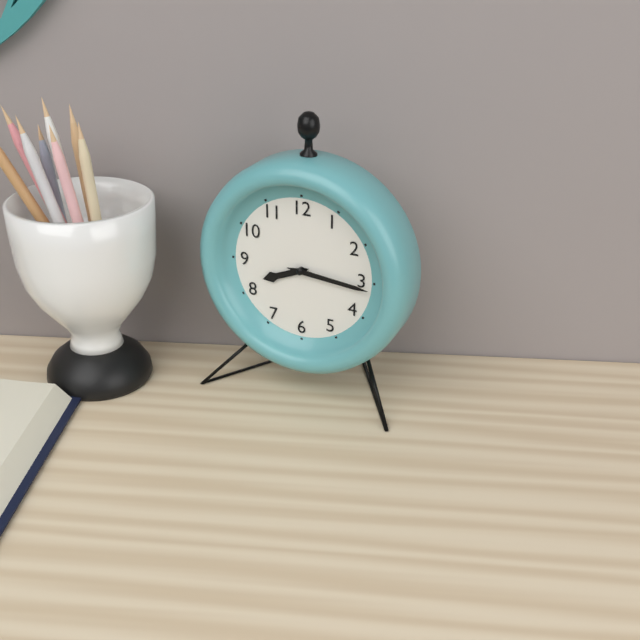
8.16
